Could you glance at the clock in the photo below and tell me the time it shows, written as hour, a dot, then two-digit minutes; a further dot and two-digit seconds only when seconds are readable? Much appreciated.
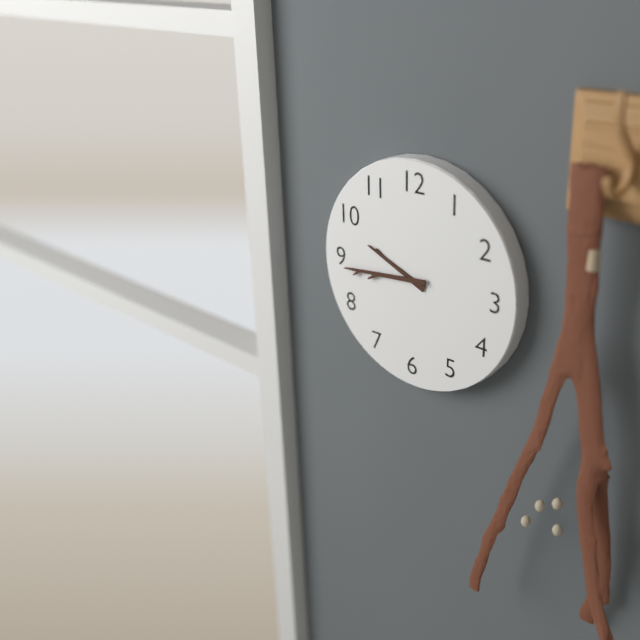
9.44
